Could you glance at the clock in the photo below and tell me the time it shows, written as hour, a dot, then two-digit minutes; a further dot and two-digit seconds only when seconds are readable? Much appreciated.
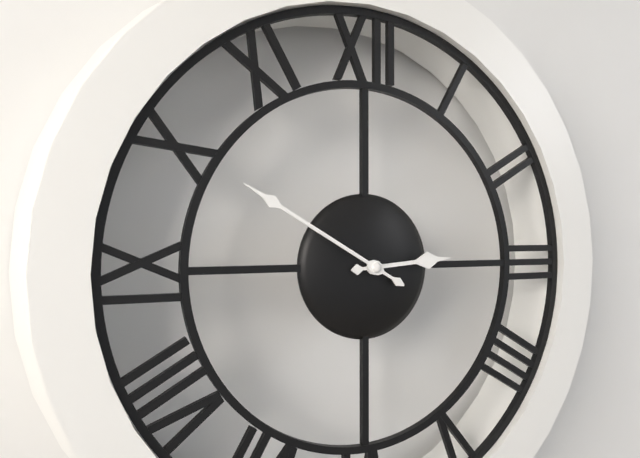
2.50
